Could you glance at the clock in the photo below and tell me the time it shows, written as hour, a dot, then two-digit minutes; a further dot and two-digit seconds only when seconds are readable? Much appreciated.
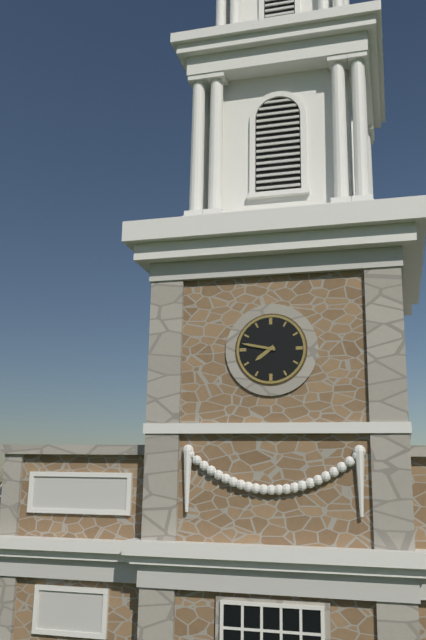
7.47
